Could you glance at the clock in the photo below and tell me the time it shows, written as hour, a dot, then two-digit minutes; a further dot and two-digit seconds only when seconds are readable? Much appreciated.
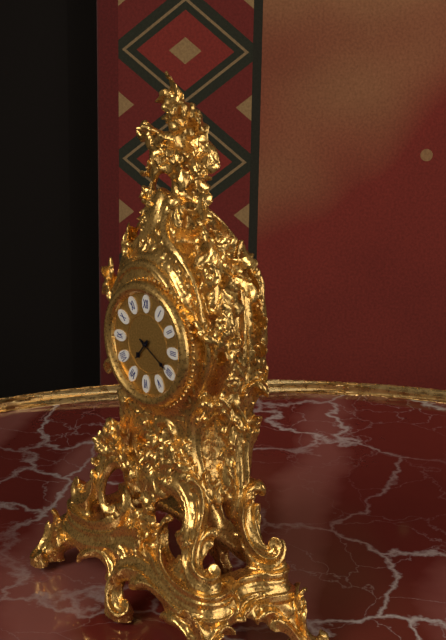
7.20
